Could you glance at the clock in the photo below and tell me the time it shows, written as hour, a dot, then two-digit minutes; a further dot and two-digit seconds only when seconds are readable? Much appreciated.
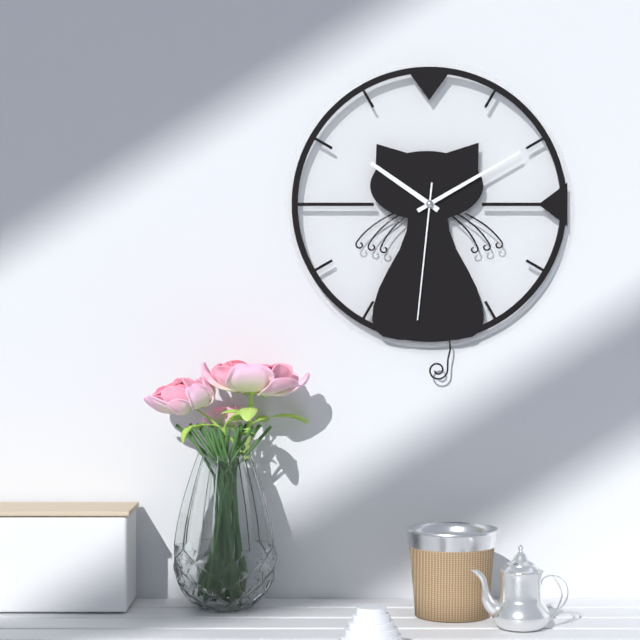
10.10.31
